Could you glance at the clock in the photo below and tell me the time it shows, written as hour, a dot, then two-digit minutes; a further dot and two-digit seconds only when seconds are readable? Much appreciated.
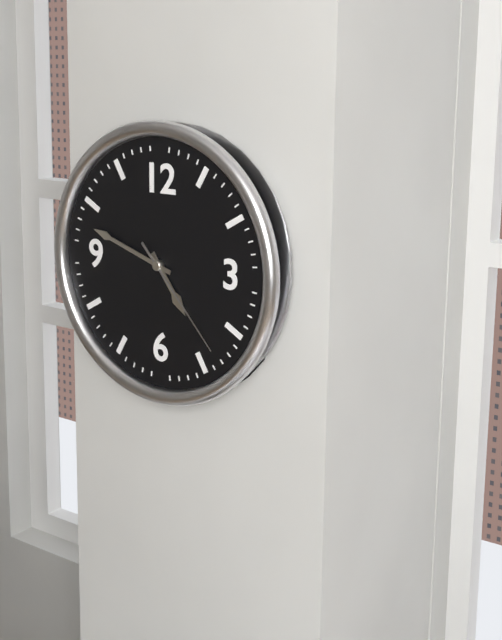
4.48.23
